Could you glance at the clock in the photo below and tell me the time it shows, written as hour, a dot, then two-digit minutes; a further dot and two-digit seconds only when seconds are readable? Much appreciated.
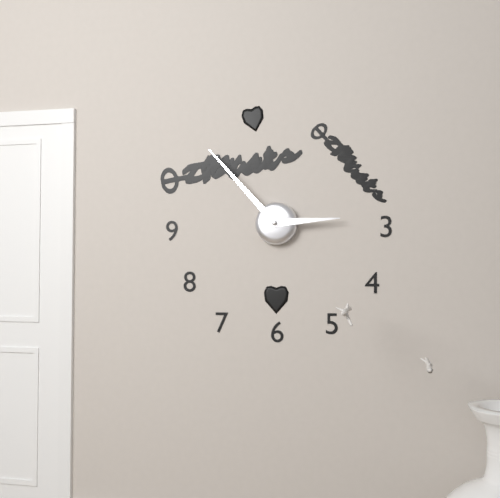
2.53
